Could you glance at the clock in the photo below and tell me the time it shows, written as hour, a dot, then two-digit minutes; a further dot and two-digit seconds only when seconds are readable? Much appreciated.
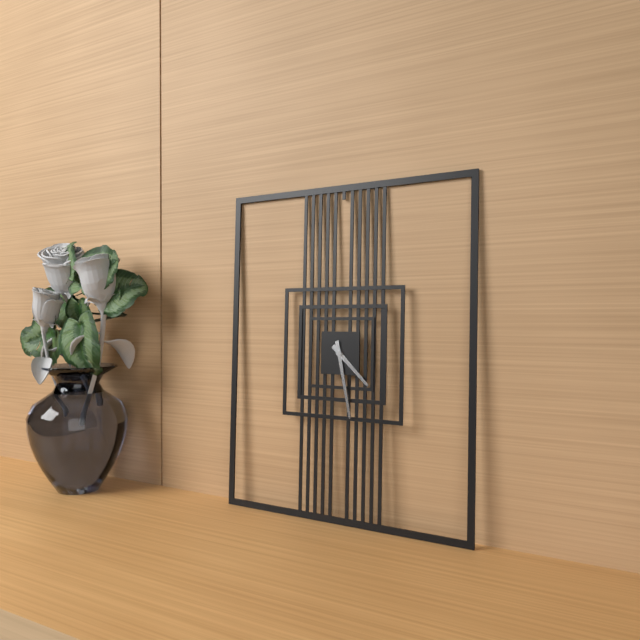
4.28
